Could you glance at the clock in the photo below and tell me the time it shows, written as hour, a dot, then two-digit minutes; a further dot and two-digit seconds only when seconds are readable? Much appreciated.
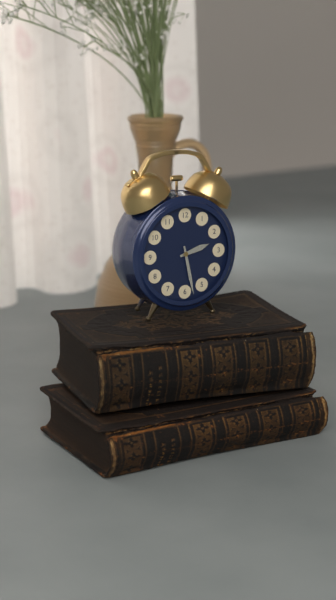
2.28
